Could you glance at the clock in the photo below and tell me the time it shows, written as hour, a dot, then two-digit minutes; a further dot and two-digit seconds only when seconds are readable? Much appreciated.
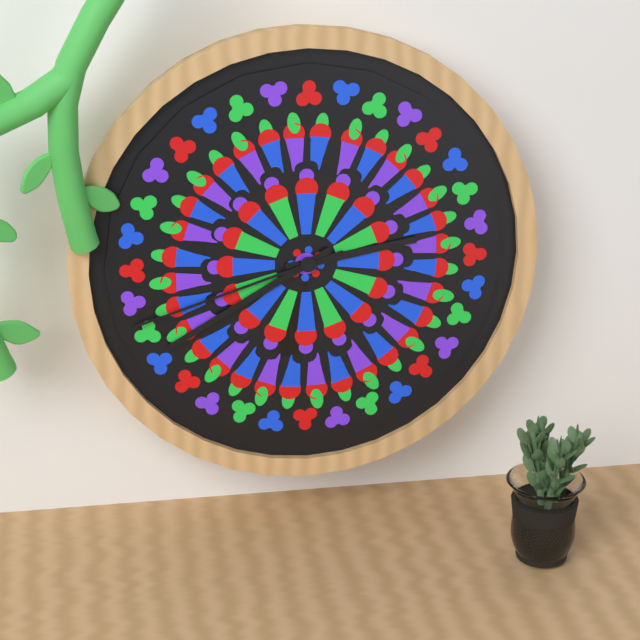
2.40.42
